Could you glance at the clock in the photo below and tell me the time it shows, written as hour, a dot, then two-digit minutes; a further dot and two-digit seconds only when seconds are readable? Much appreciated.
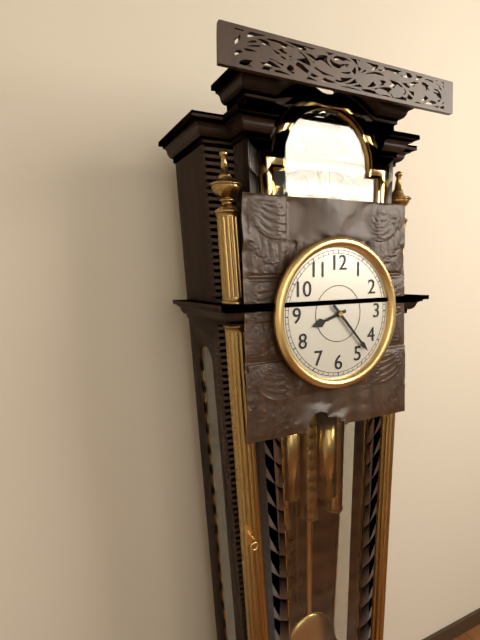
8.23
